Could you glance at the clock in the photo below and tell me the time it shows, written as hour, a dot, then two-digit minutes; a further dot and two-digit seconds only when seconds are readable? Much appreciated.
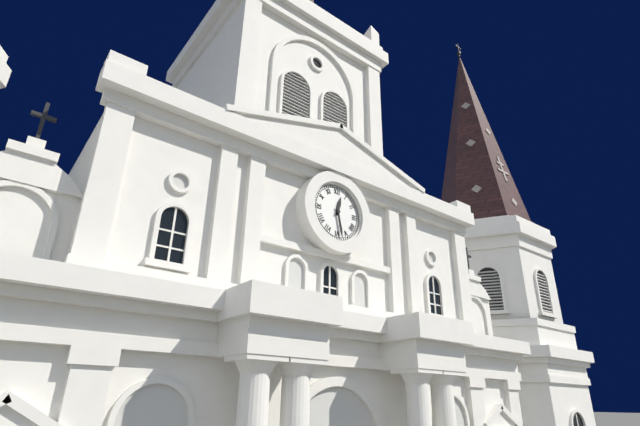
12.28
